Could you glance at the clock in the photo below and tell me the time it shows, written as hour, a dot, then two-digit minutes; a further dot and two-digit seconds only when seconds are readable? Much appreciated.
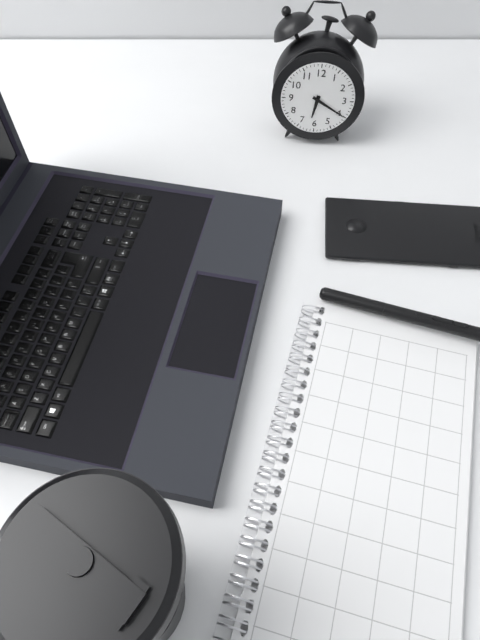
6.20
